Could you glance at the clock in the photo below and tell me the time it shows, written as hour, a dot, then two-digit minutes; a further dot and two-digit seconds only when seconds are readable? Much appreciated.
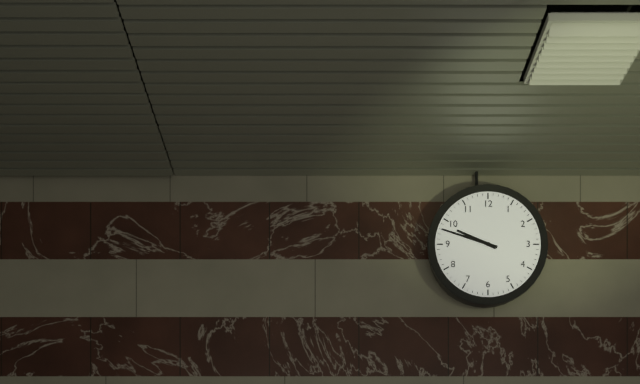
9.48
